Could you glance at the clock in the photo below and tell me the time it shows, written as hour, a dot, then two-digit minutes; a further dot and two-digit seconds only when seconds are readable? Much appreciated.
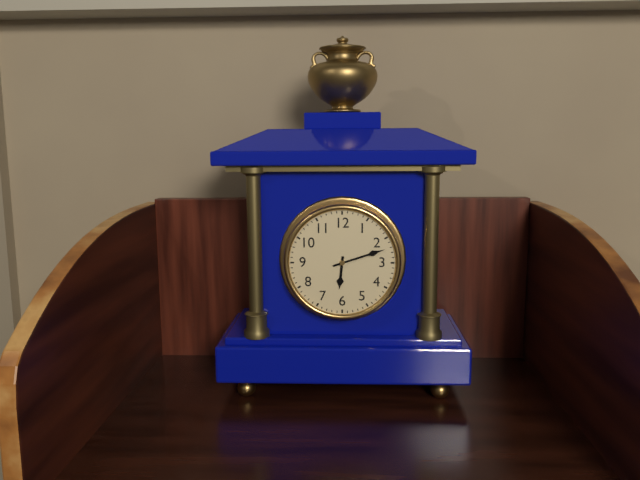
6.12
